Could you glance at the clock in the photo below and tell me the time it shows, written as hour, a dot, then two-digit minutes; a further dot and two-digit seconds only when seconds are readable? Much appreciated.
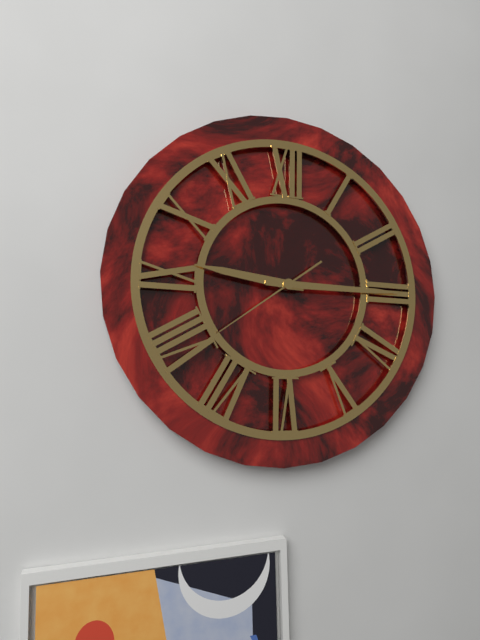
9.15.39
